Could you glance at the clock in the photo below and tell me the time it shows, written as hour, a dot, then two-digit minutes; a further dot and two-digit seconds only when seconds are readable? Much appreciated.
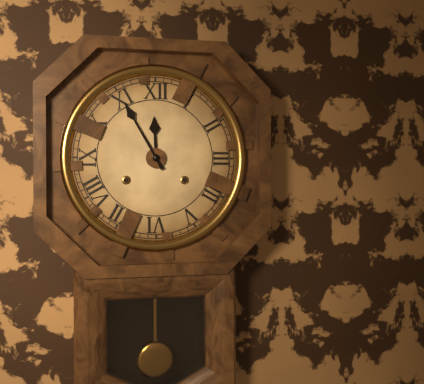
11.55
